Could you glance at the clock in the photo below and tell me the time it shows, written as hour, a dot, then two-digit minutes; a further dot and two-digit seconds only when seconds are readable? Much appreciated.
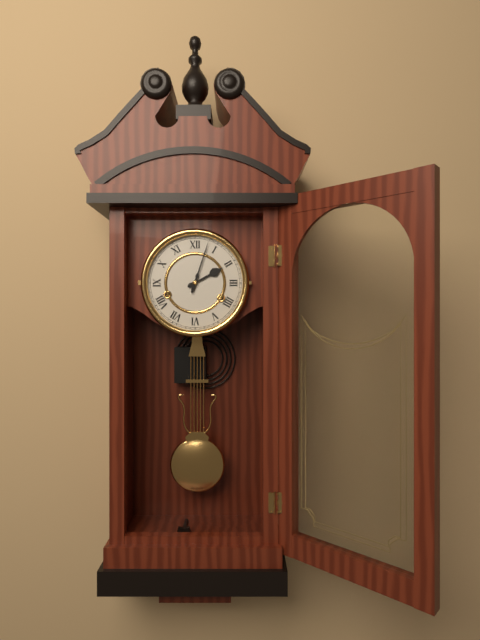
2.03
